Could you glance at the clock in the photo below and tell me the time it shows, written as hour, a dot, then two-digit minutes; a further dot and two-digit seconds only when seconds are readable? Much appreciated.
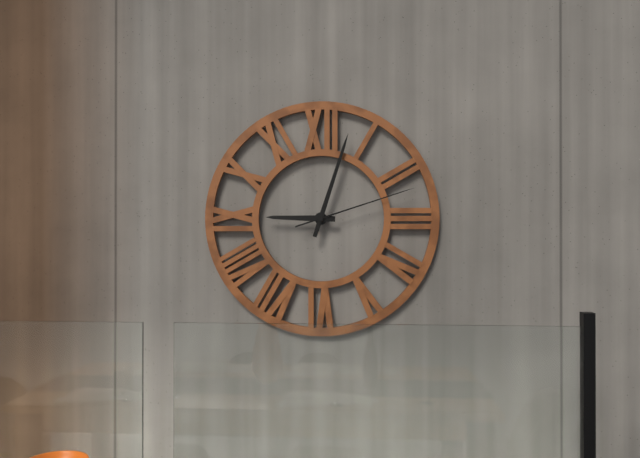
9.03.12
